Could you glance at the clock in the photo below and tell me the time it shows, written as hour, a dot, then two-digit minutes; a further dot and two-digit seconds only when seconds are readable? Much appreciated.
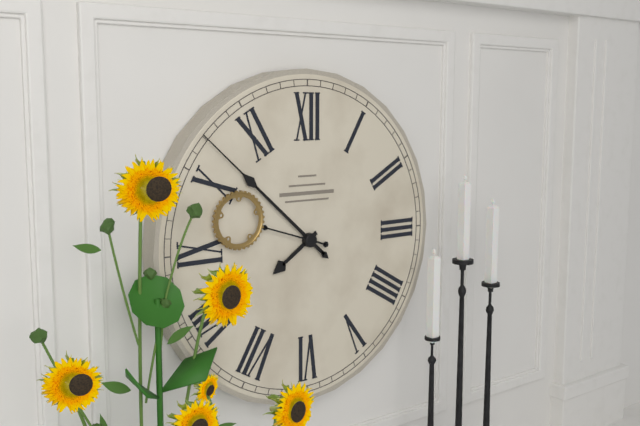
7.52.48
